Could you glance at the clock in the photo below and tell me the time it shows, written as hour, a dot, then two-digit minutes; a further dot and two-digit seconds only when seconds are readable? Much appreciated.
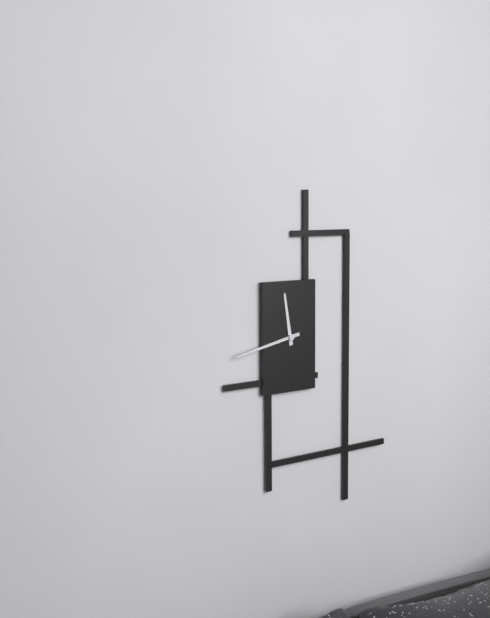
11.43
